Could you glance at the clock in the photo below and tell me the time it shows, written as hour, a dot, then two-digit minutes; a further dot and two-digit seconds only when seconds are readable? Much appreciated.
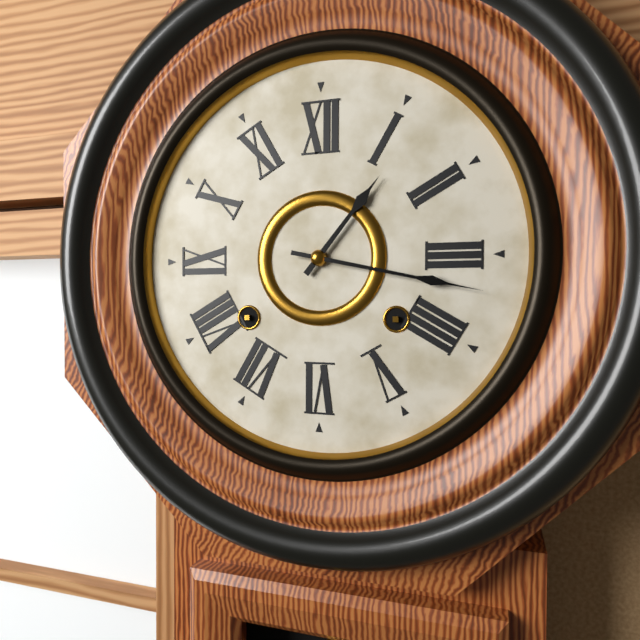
1.17
